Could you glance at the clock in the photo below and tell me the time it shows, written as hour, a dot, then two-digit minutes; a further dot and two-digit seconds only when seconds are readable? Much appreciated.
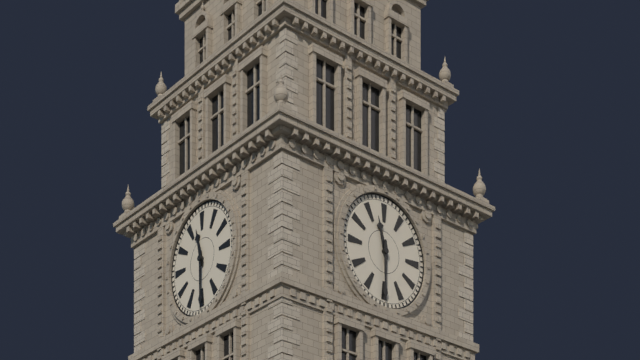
11.30
